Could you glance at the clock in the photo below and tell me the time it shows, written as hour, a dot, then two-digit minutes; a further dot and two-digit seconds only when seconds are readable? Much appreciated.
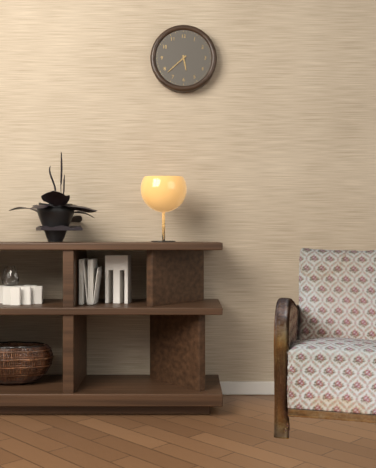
5.38
